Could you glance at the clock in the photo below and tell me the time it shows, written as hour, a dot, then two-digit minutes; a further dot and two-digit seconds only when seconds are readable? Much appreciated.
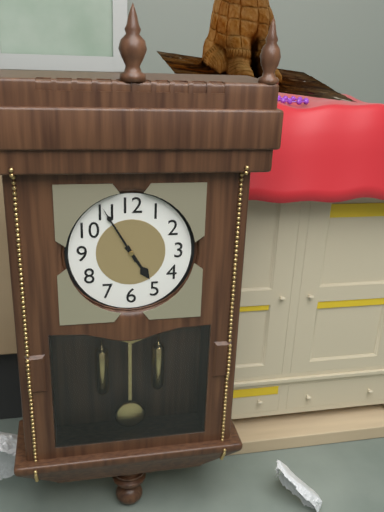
4.55
